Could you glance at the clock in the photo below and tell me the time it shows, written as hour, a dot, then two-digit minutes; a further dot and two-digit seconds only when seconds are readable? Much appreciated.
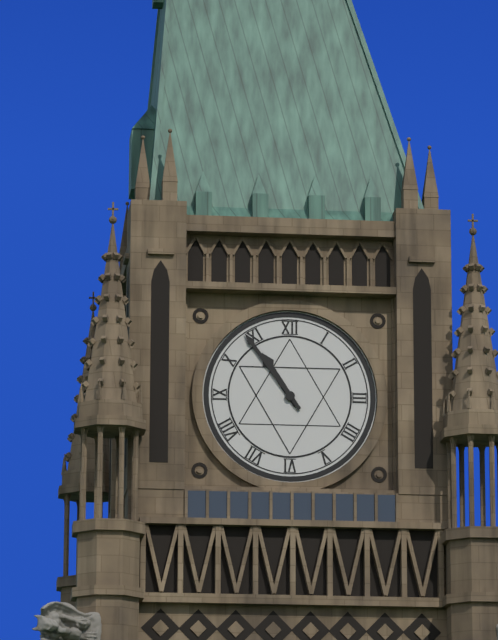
10.54
